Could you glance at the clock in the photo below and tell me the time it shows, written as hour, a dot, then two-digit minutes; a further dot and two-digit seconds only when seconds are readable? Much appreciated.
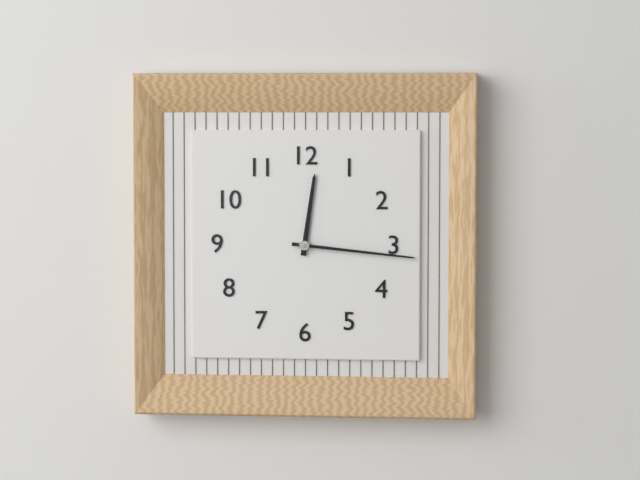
12.16
